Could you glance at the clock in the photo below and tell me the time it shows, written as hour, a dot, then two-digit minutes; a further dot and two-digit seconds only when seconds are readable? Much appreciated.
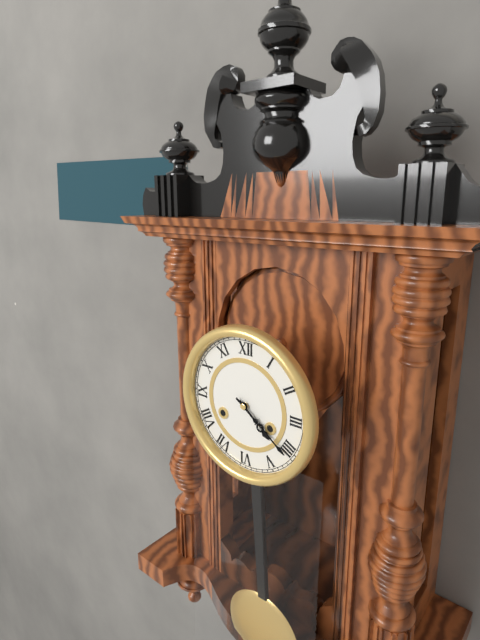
4.21
